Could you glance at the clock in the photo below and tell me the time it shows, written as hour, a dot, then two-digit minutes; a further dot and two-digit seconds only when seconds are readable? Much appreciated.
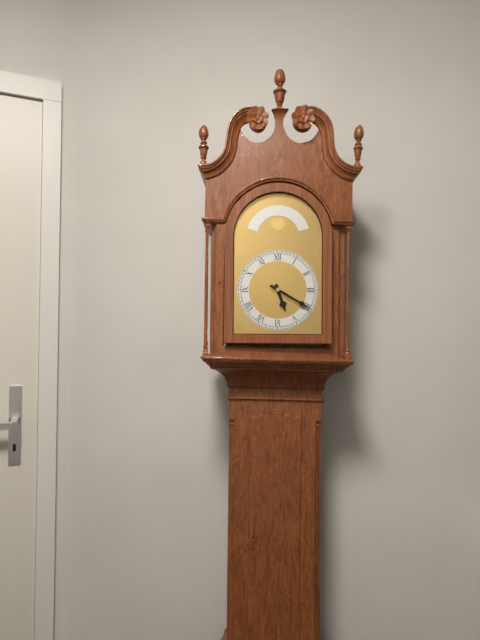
5.20
